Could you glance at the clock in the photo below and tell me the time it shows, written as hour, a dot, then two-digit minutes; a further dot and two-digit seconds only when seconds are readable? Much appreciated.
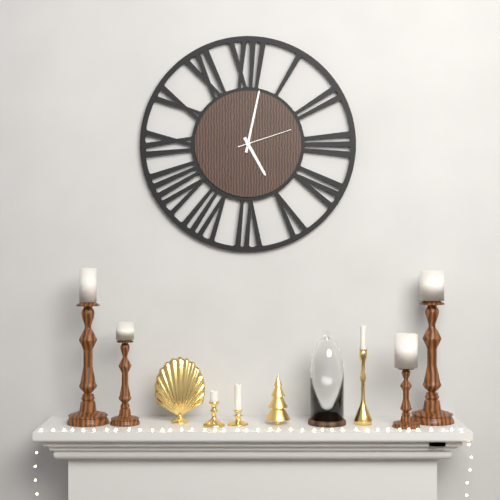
5.02.12
